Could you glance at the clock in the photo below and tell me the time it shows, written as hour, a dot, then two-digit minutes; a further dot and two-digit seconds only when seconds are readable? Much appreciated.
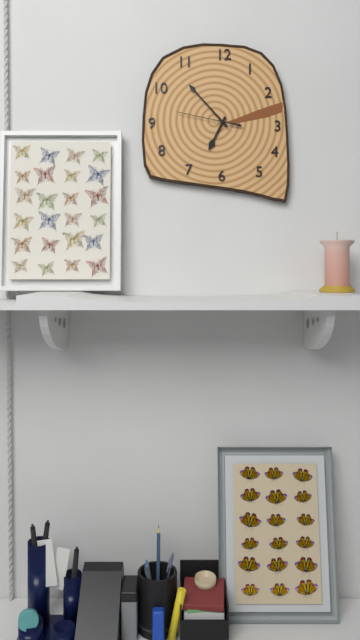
6.53.47
